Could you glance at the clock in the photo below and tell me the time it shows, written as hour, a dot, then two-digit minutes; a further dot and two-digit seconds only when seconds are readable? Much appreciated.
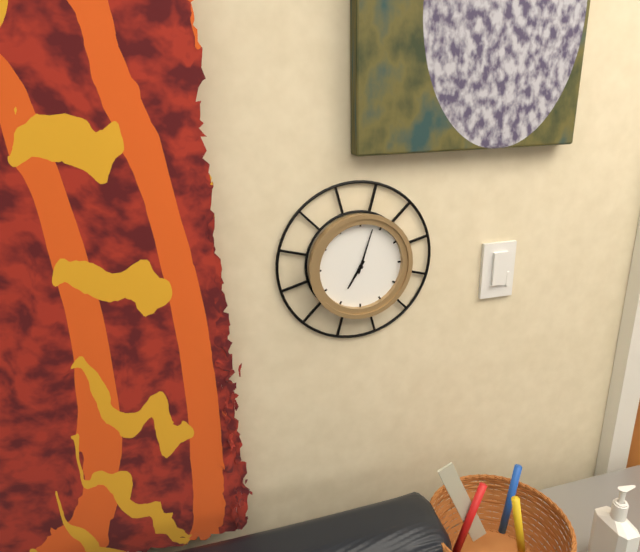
7.03
